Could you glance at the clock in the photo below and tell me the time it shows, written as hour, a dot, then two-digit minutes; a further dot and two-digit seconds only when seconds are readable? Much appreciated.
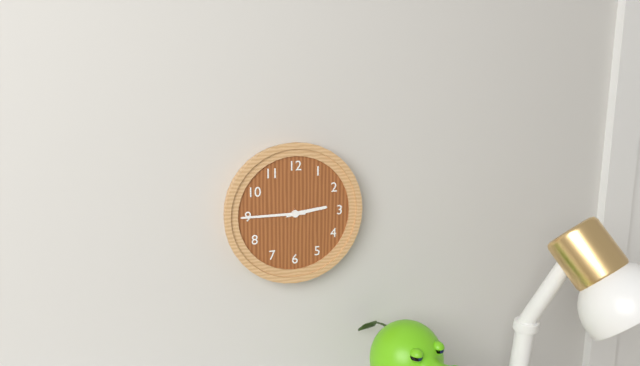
2.45
